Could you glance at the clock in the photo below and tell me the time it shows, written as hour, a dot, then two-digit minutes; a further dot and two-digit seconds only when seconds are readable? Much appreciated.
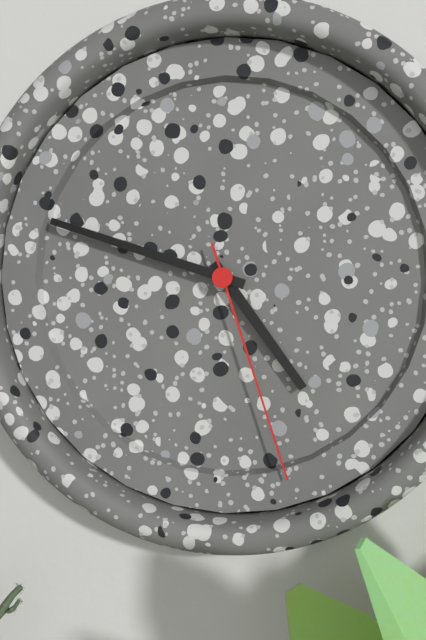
4.48.27
